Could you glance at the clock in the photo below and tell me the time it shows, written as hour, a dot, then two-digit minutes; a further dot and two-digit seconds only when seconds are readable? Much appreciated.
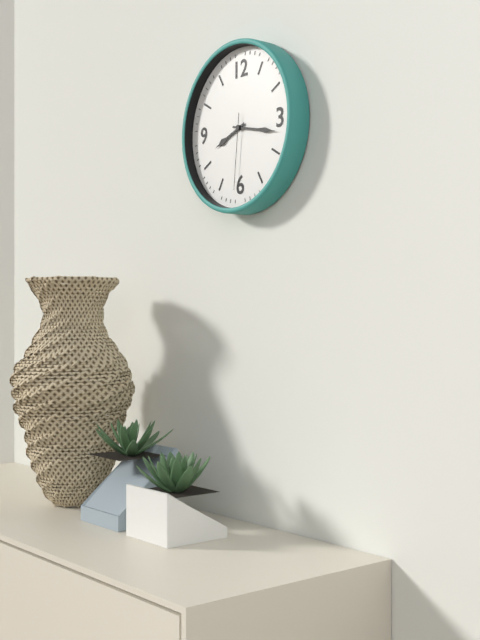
8.17.31
